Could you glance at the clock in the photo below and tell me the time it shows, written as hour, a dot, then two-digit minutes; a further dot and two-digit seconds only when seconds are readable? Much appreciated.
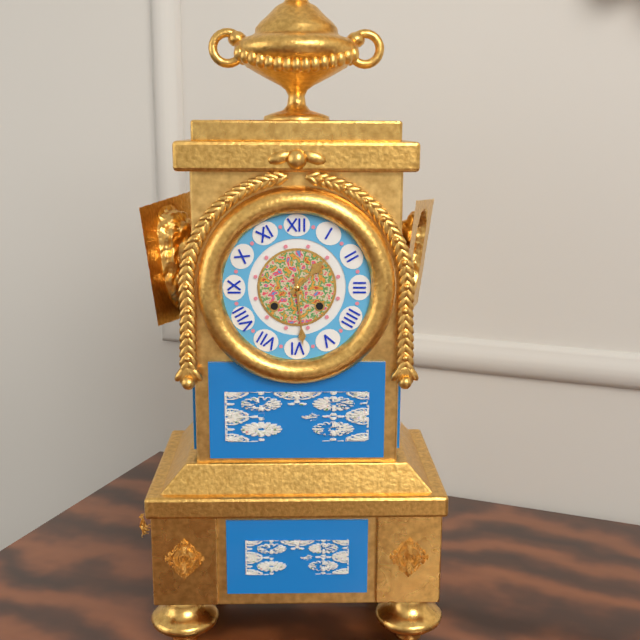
1.29
